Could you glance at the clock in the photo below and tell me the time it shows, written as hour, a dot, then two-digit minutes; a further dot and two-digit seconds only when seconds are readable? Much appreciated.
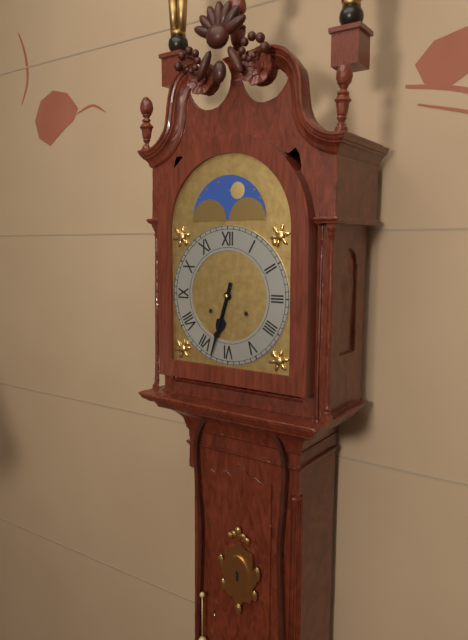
6.33
